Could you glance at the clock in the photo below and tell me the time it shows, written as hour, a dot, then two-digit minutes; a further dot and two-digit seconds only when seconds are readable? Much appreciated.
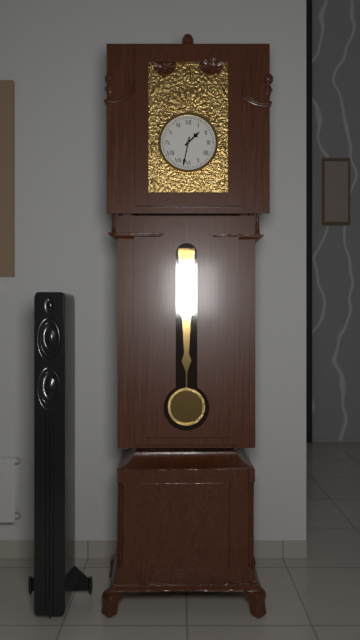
1.32
